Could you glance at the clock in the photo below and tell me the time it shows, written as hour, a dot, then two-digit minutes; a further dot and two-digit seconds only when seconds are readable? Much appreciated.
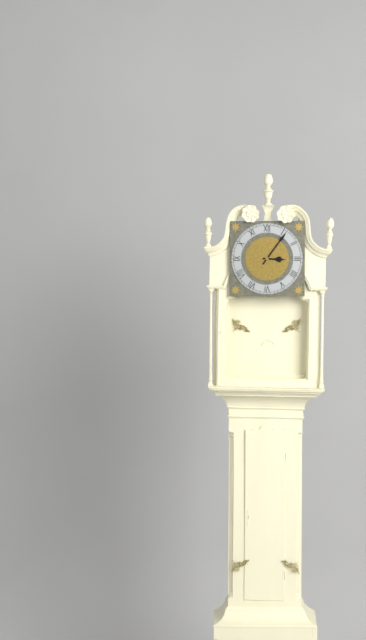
3.06
